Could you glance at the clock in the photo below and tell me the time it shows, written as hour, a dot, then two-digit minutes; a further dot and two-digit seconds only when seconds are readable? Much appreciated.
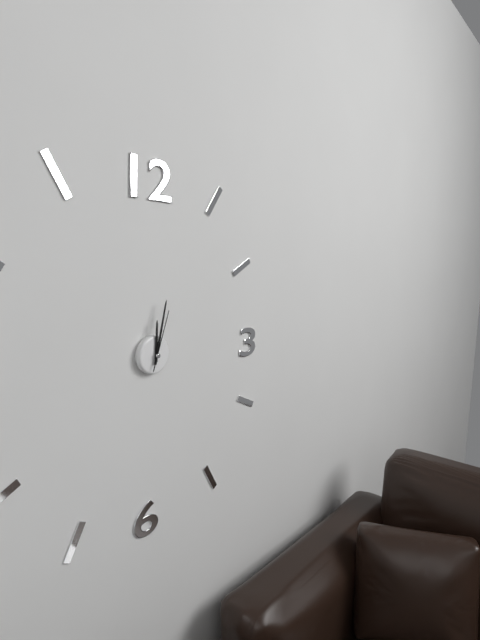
12.02.03
